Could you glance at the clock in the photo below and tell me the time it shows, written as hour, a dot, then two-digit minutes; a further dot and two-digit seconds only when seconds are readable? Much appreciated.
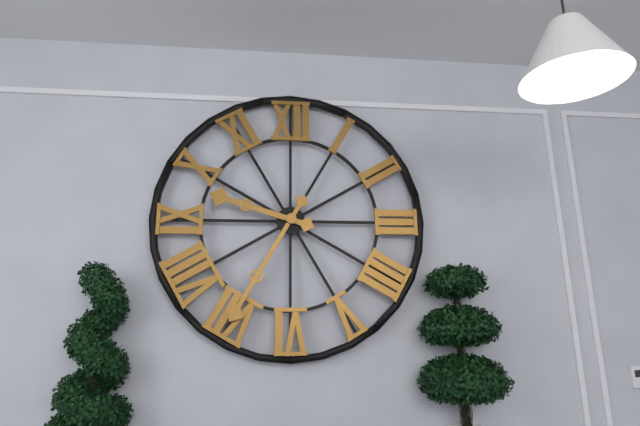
9.35
